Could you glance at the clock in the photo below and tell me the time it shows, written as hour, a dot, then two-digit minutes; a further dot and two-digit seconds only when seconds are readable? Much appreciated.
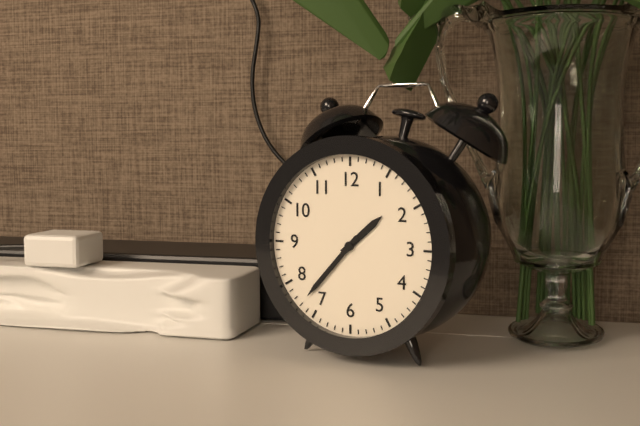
1.37
